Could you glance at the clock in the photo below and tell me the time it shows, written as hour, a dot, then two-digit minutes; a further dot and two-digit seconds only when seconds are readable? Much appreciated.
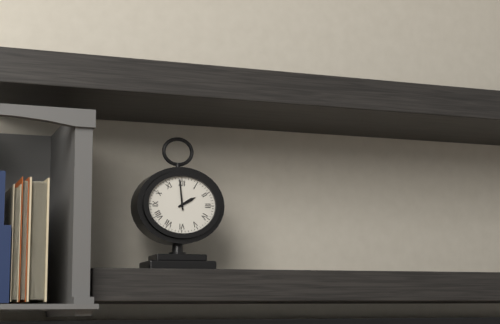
1.59
